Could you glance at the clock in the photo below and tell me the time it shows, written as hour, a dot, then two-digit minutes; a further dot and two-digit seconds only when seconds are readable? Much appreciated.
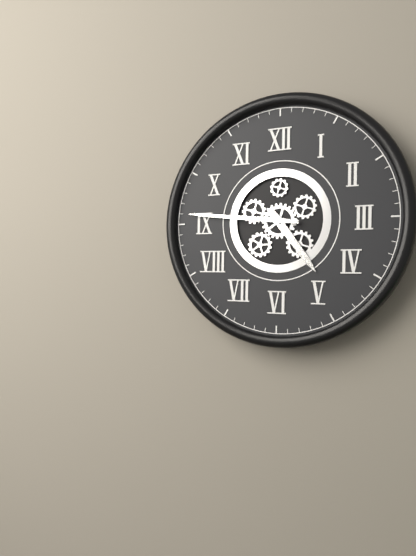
4.46
